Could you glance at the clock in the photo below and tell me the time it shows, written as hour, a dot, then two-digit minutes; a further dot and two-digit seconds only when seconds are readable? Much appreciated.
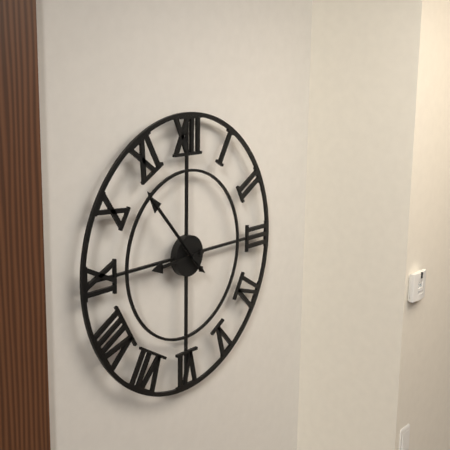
8.53.53
